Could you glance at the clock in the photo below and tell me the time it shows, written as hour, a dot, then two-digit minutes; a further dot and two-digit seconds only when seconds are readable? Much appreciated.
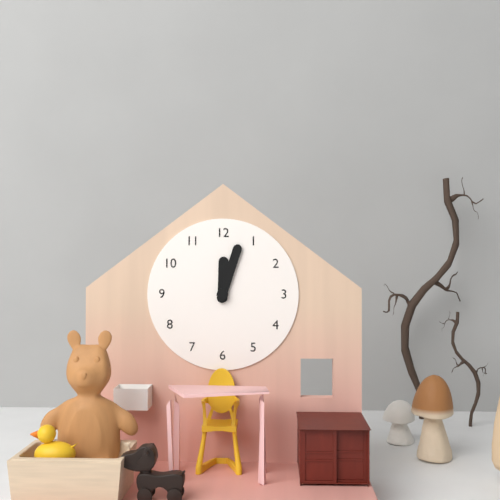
12.03
